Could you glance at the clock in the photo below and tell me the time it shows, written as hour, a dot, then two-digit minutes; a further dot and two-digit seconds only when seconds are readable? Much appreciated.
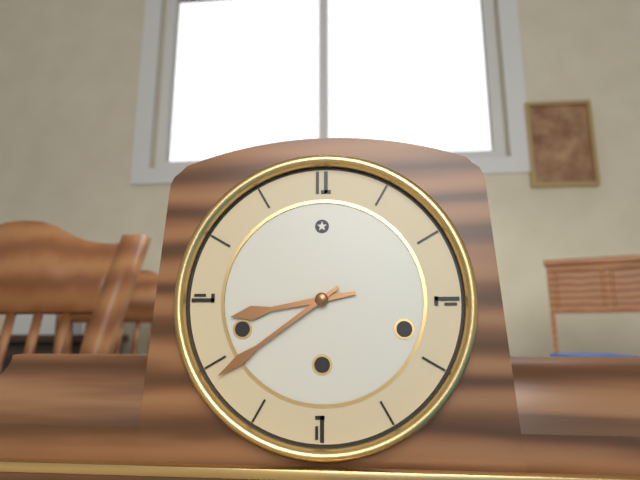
8.39
